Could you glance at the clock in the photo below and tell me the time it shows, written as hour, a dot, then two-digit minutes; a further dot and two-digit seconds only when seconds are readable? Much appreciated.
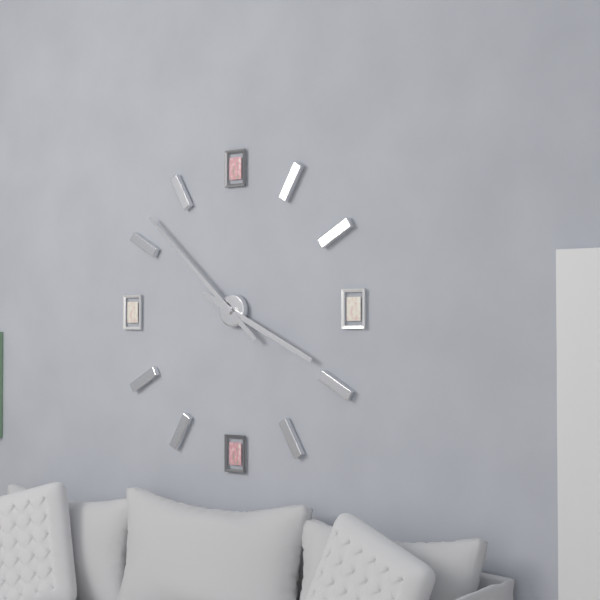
3.52
